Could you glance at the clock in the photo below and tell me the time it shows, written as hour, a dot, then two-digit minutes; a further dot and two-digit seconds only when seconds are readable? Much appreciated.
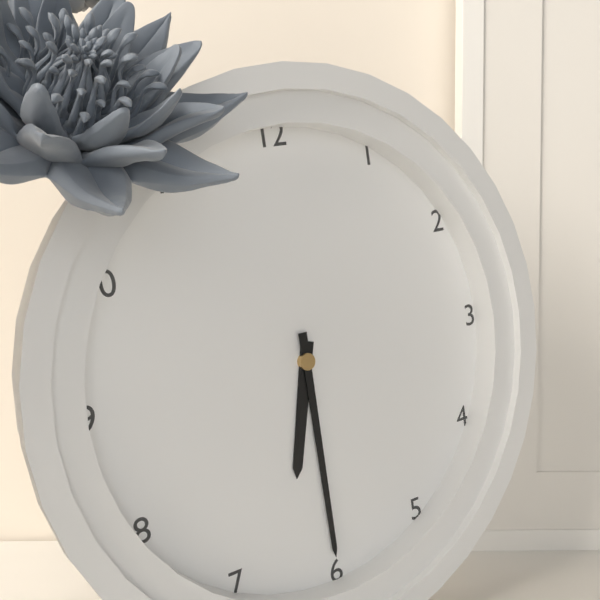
6.30
